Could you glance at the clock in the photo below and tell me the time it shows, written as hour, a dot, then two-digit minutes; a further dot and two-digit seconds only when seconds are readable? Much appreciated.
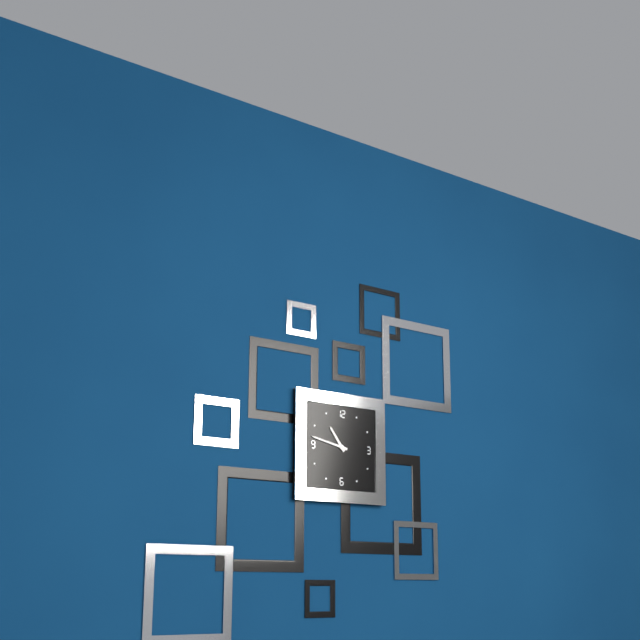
10.47
